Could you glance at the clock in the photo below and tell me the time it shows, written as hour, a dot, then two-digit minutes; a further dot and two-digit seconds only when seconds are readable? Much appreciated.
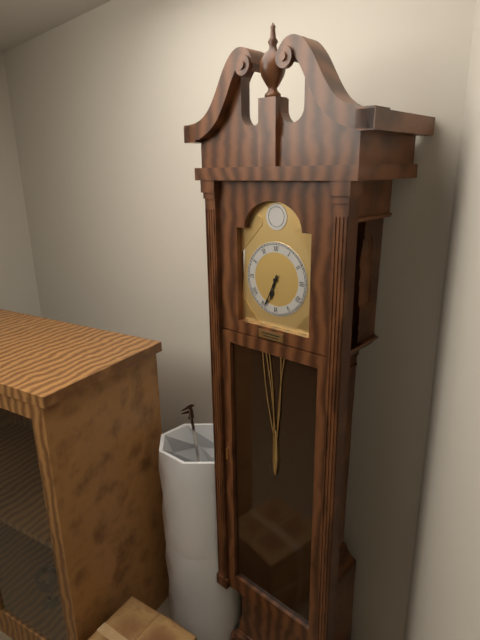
6.34
